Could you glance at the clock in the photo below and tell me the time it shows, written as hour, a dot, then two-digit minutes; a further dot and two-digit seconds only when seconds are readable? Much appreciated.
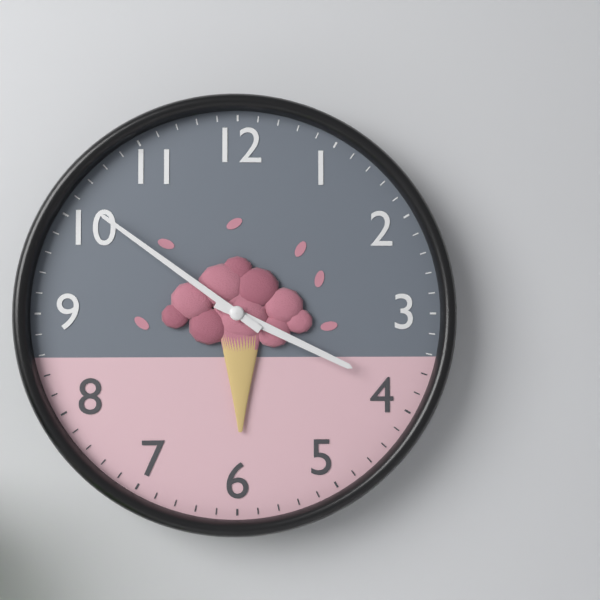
3.51
